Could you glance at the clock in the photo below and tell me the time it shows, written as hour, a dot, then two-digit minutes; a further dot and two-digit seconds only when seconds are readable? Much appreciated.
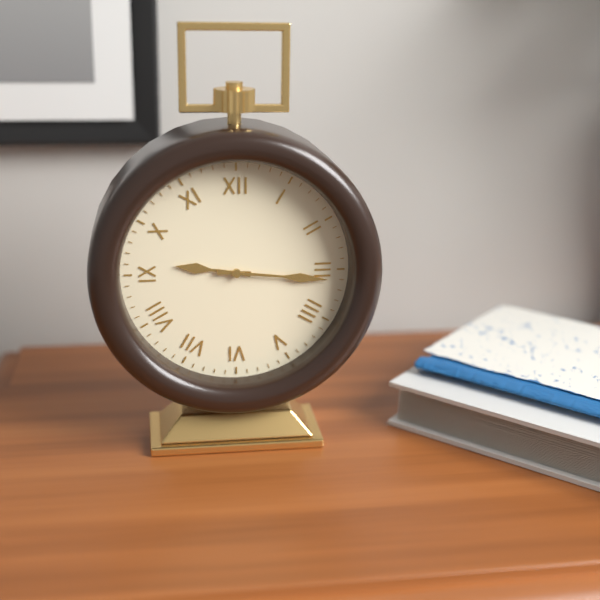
9.16
